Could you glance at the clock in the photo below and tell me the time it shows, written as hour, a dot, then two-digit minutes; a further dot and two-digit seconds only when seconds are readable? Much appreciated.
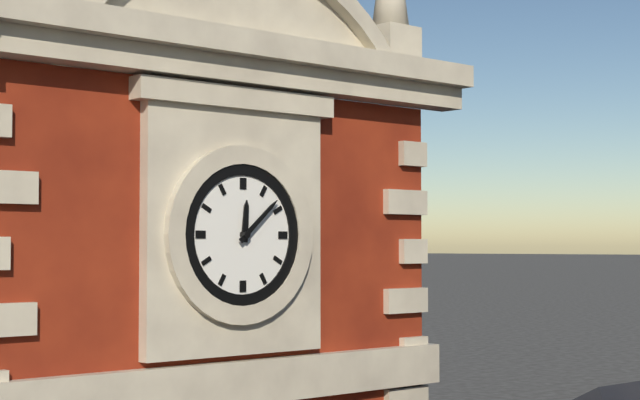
12.08
